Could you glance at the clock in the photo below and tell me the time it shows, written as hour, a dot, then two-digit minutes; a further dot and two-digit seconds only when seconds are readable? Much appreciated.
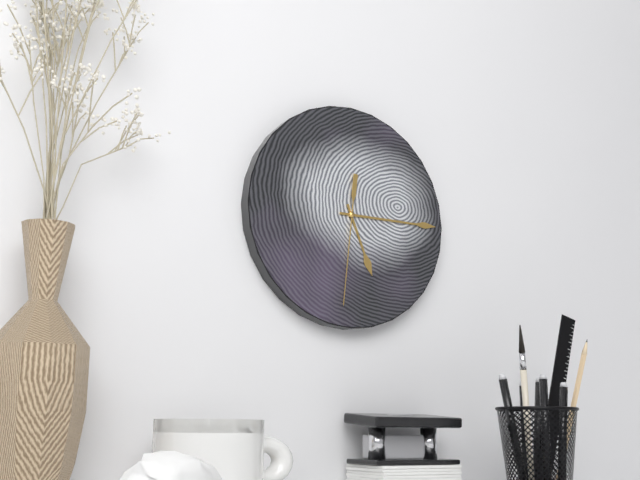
5.15.31
